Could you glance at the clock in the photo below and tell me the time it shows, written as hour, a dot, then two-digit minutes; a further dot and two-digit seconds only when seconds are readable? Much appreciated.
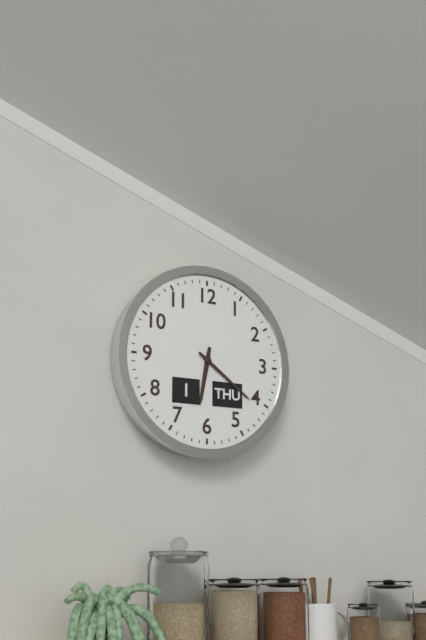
6.21
